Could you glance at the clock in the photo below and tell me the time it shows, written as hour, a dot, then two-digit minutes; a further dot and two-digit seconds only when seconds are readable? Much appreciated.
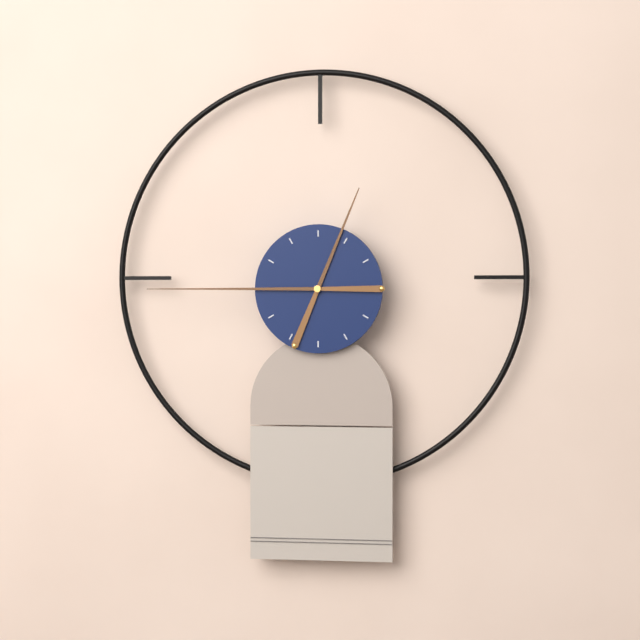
12.45
